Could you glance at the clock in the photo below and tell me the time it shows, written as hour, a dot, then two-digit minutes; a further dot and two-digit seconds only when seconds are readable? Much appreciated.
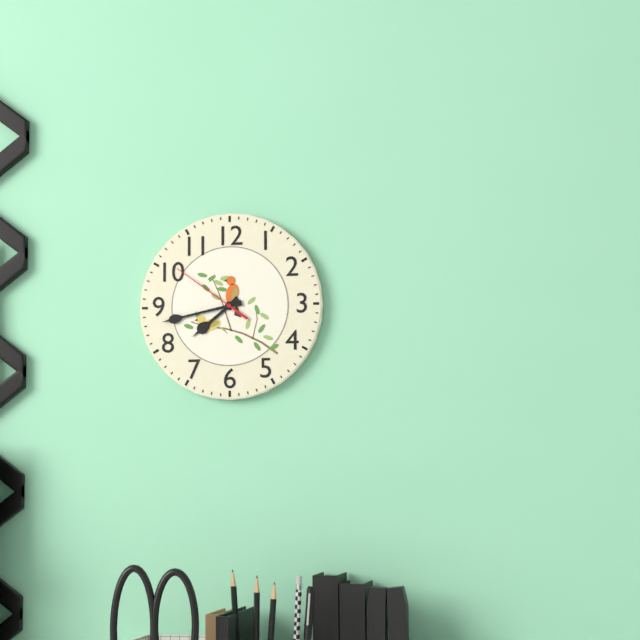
7.43.51
